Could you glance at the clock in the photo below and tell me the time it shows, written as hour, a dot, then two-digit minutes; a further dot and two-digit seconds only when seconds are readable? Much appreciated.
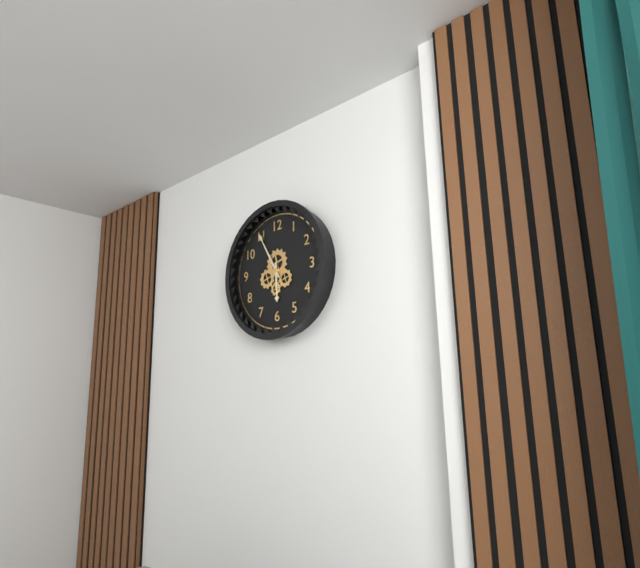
5.55
